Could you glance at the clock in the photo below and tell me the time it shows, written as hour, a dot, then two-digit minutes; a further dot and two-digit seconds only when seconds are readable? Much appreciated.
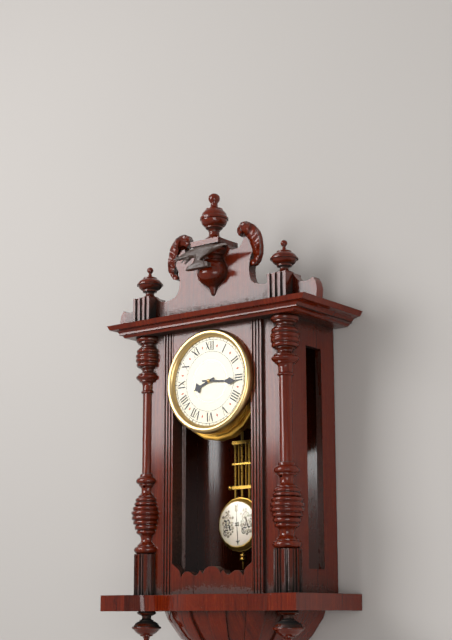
8.16
